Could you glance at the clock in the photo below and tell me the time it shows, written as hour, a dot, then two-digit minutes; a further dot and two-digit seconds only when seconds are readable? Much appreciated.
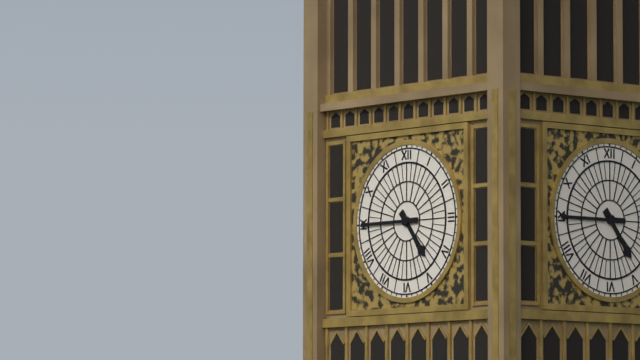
4.45
